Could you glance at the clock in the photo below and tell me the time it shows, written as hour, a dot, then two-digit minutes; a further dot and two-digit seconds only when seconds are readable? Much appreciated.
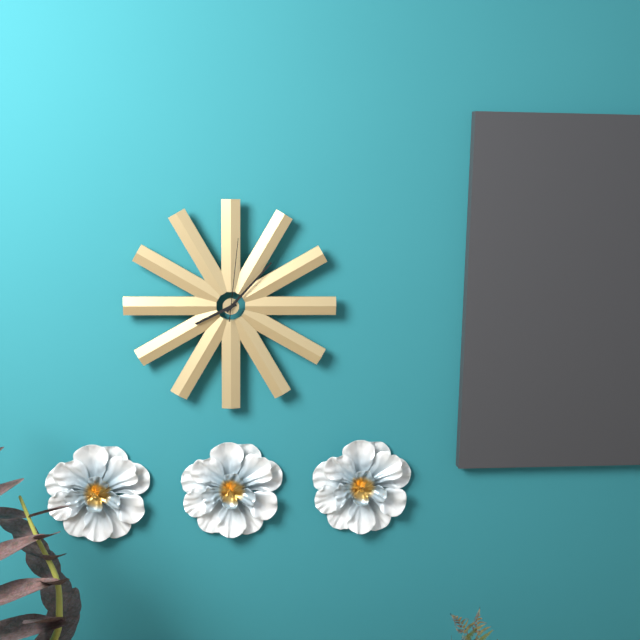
8.07.01
